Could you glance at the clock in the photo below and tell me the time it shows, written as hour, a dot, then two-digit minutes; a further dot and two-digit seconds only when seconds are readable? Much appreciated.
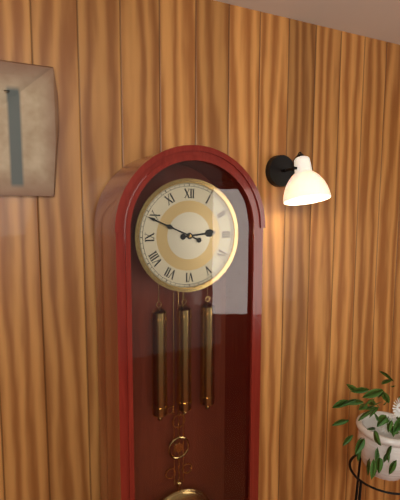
2.49
